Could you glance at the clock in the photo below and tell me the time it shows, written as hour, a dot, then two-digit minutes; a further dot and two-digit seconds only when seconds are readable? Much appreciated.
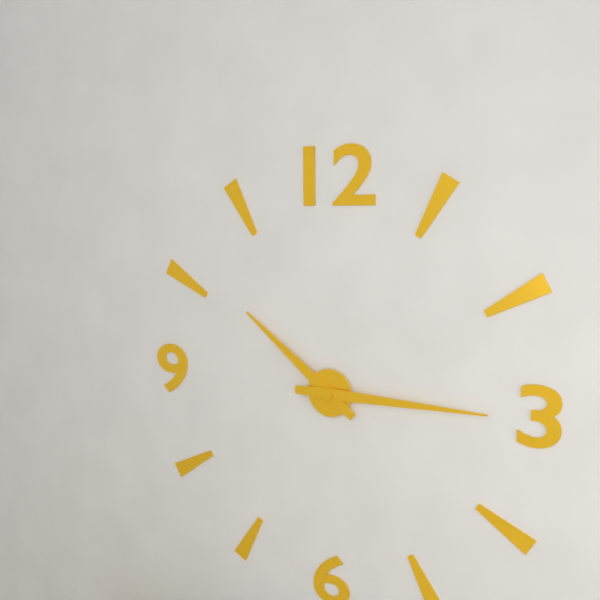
10.15
